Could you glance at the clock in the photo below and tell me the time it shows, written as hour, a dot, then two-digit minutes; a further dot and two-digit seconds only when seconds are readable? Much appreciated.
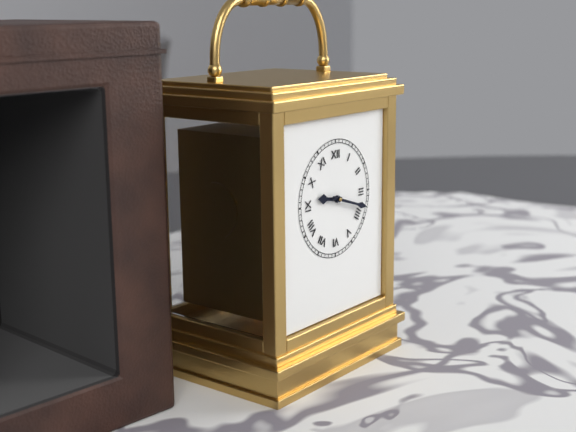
9.18
